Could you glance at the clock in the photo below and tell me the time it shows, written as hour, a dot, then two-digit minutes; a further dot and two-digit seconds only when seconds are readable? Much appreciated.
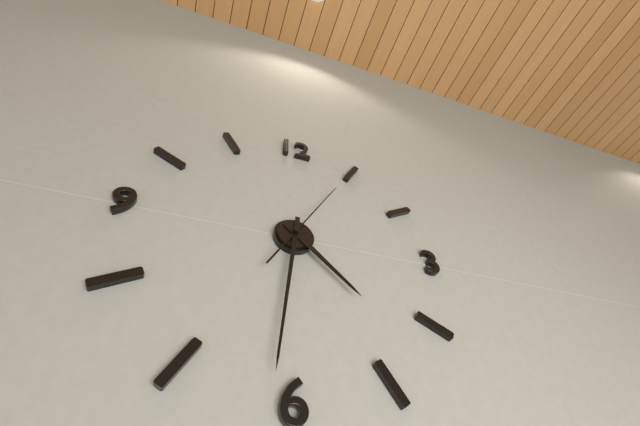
4.31.05
